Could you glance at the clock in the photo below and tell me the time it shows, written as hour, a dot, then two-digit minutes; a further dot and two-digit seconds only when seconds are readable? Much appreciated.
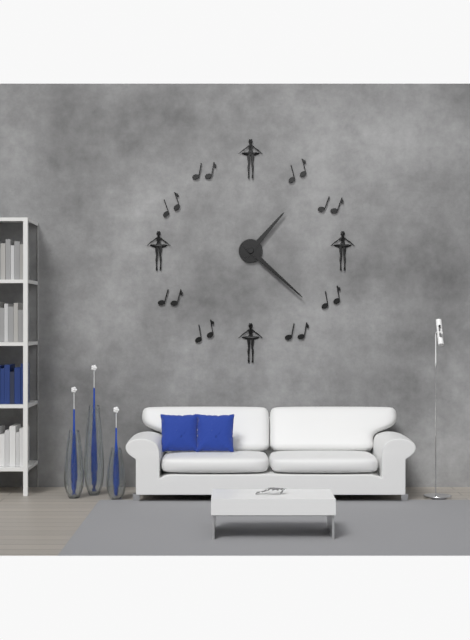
1.22
